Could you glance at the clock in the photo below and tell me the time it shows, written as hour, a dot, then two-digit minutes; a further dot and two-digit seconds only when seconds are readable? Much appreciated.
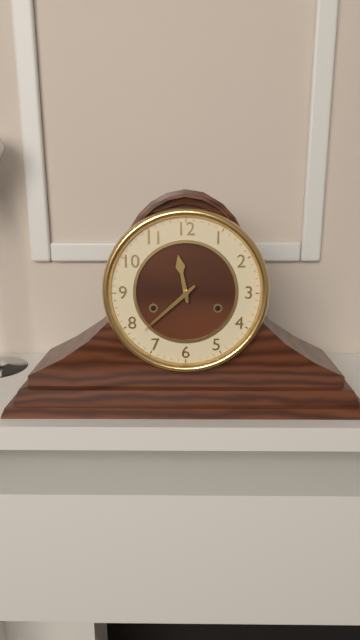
11.38
